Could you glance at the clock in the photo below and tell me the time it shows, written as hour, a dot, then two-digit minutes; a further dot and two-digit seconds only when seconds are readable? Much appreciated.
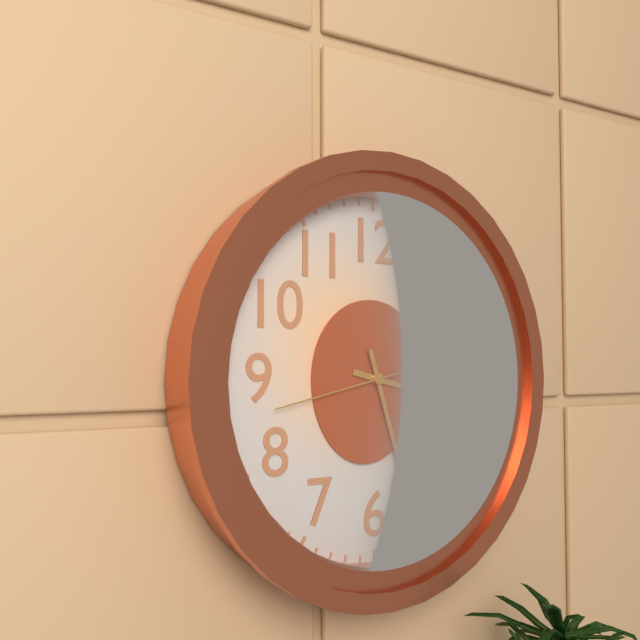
3.27.43
